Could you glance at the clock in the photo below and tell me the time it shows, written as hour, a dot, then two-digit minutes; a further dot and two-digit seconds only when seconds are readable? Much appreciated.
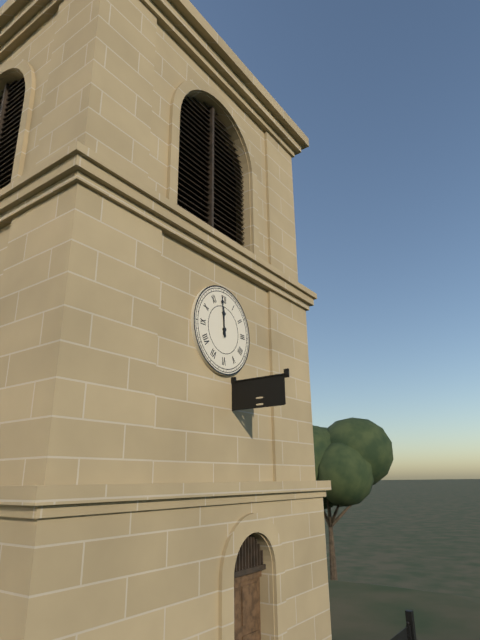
11.59
